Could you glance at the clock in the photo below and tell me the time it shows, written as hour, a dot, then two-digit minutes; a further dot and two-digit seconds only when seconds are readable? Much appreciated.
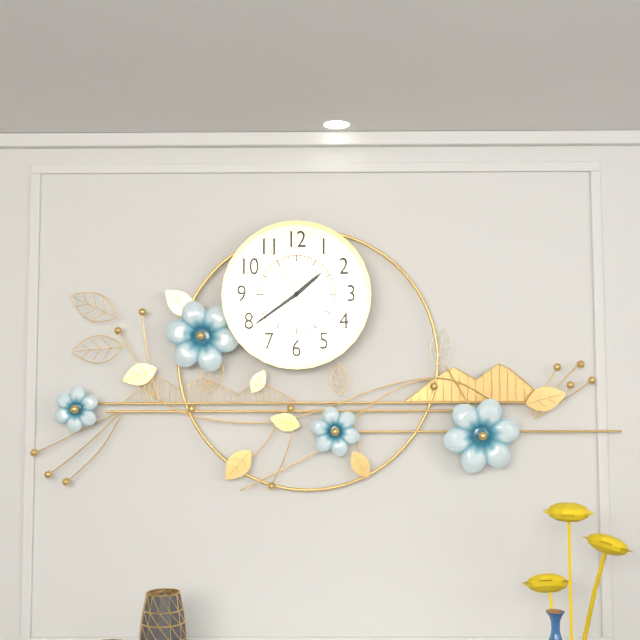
1.39.55
